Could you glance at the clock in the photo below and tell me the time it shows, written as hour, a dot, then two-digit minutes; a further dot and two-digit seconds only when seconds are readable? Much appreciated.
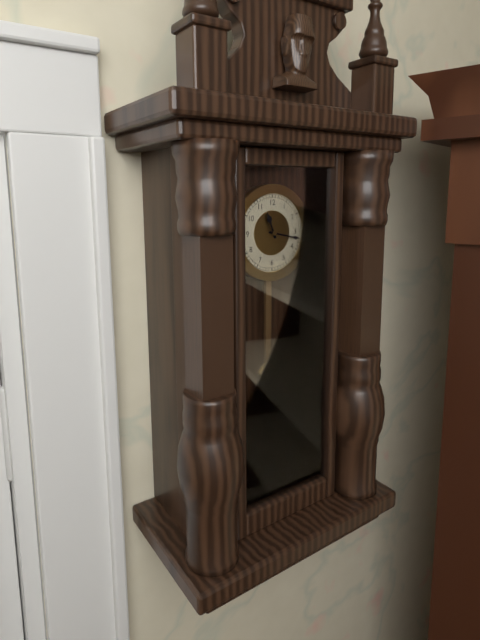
11.17
